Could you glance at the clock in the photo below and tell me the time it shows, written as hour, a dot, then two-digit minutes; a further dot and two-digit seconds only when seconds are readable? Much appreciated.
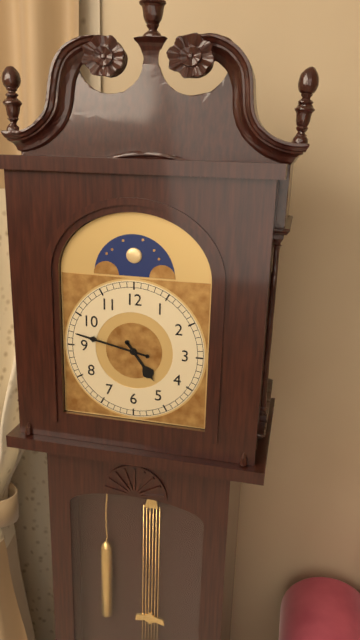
4.47
